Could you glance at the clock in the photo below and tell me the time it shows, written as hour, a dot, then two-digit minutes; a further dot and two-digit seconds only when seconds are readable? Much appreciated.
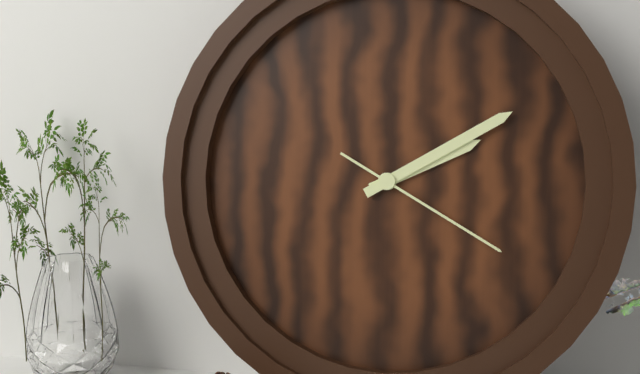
2.10.20
